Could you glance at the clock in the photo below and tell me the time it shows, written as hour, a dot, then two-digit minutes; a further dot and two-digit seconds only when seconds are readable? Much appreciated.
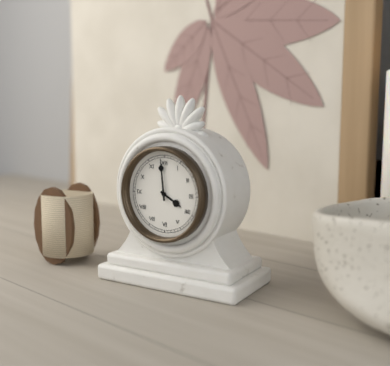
3.59
